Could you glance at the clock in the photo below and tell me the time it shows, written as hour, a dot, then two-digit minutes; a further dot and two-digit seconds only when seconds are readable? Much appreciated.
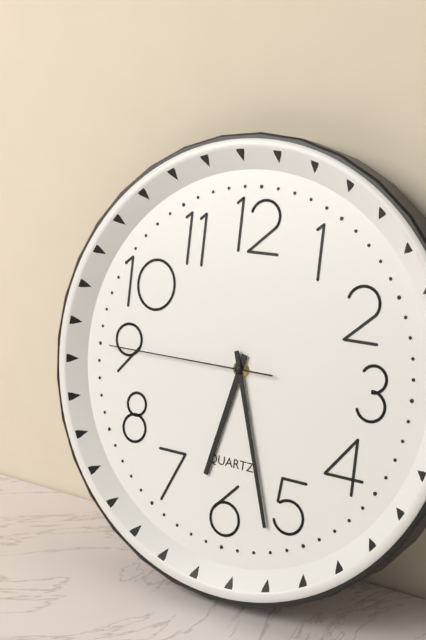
6.27.45
